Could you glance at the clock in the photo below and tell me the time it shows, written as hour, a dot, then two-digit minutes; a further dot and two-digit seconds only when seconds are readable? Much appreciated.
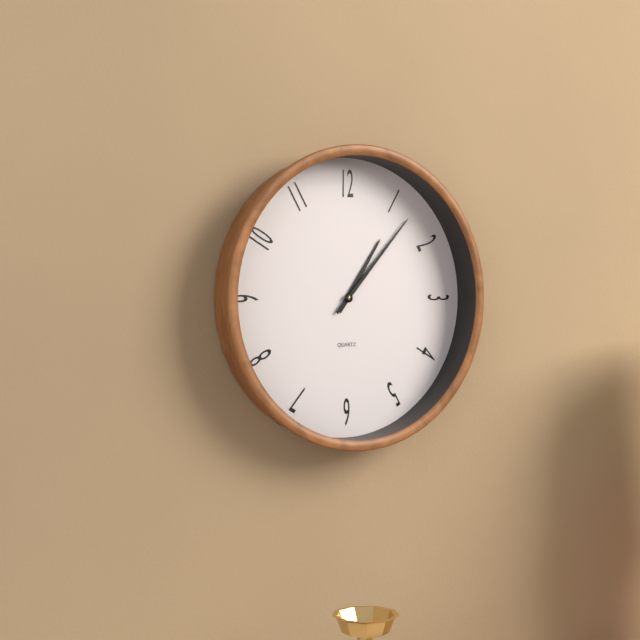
1.07
